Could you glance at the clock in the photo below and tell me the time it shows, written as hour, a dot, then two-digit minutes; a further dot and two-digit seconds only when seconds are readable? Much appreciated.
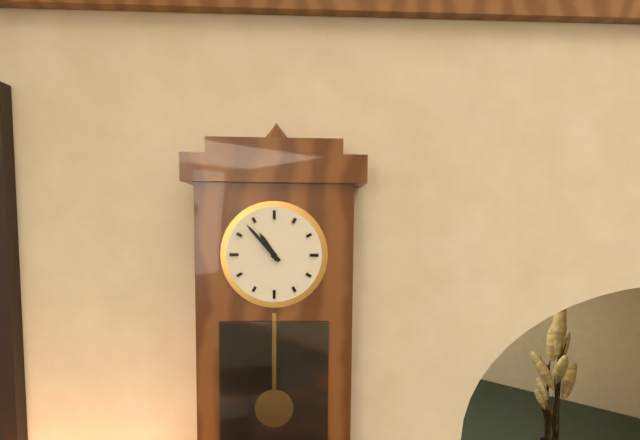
10.53
